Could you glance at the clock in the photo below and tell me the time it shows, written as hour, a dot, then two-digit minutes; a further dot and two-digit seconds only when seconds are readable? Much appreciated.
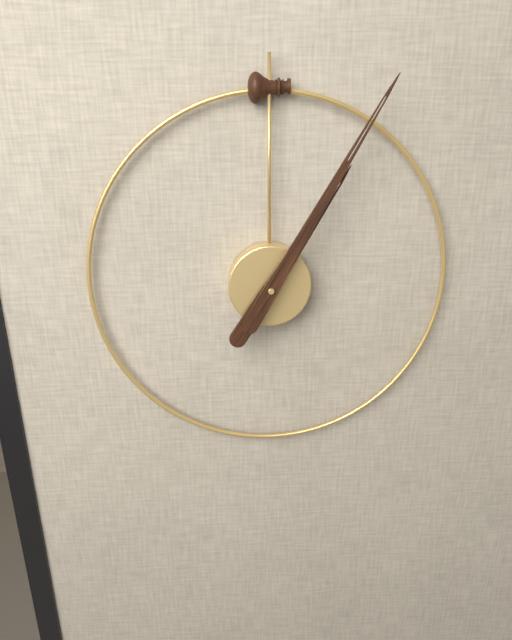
1.05
